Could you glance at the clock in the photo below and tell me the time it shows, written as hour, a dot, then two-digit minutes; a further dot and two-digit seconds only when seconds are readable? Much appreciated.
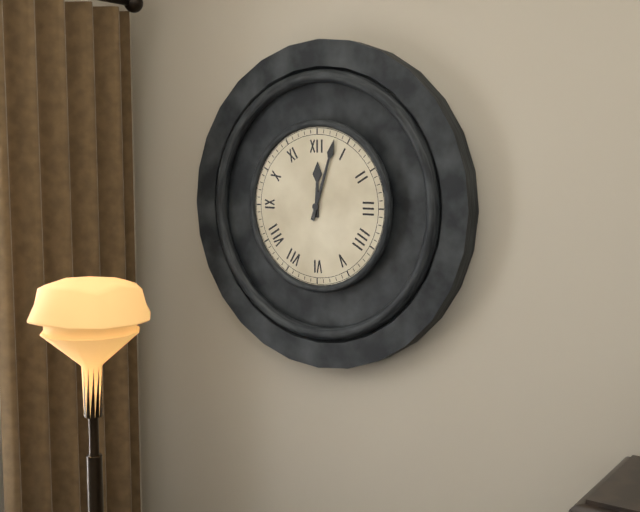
12.03
